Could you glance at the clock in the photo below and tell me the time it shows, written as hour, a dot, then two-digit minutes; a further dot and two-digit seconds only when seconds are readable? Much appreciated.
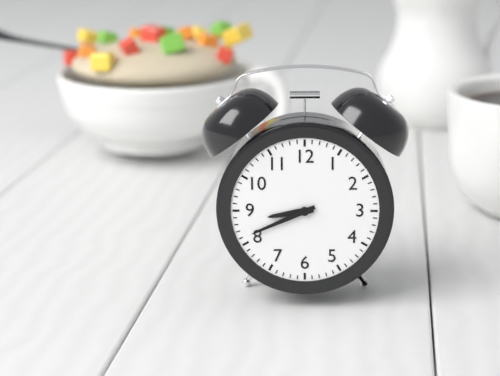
8.41
